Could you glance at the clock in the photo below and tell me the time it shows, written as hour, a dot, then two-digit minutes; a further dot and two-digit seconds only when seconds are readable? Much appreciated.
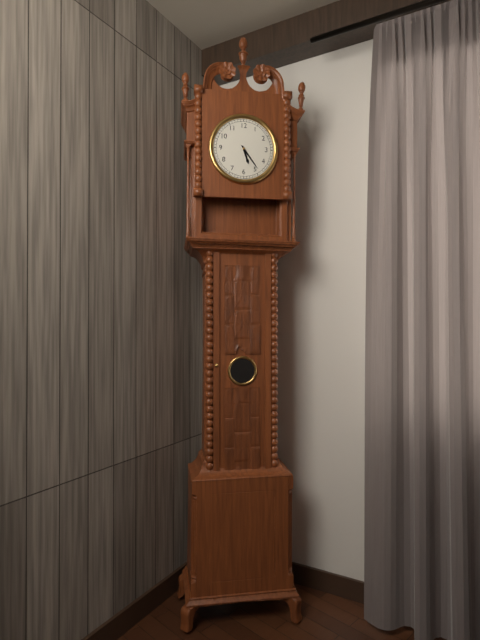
5.24
